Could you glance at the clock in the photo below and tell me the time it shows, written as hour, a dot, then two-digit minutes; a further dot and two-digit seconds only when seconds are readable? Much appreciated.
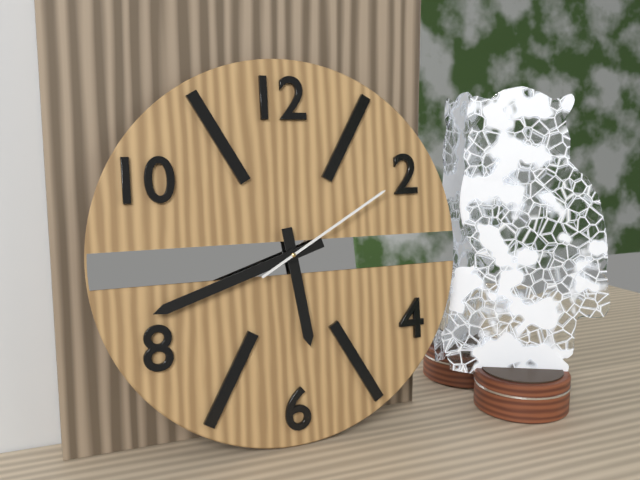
5.42.10
